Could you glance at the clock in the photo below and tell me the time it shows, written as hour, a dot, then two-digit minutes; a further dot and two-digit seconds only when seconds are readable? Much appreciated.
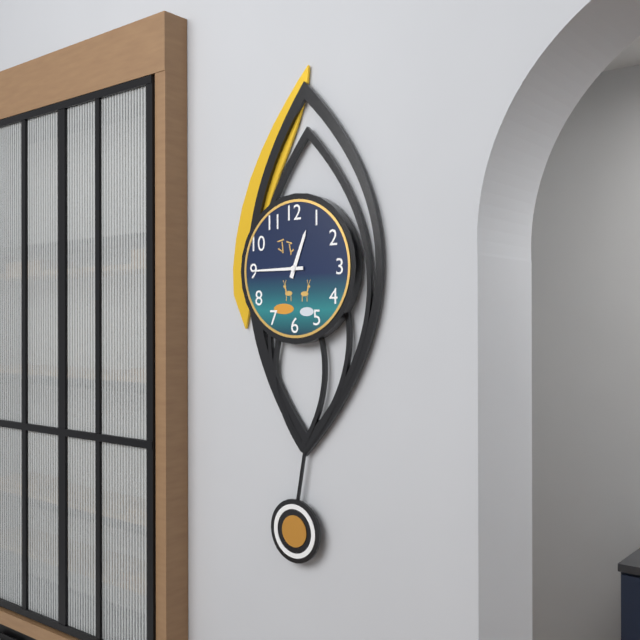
12.45
